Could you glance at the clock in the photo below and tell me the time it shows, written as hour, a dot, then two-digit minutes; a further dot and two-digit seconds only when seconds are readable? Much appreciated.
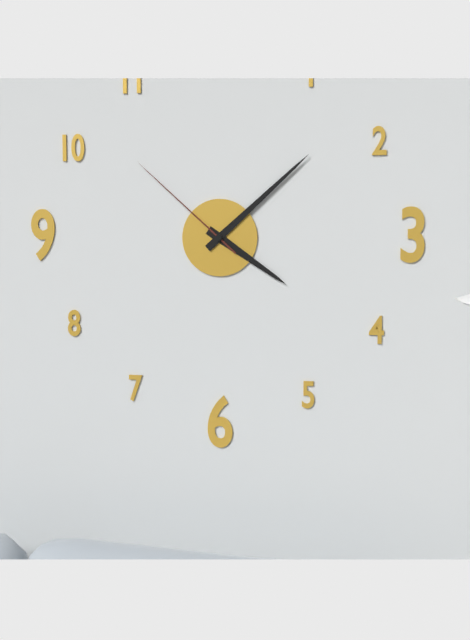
4.08.52
